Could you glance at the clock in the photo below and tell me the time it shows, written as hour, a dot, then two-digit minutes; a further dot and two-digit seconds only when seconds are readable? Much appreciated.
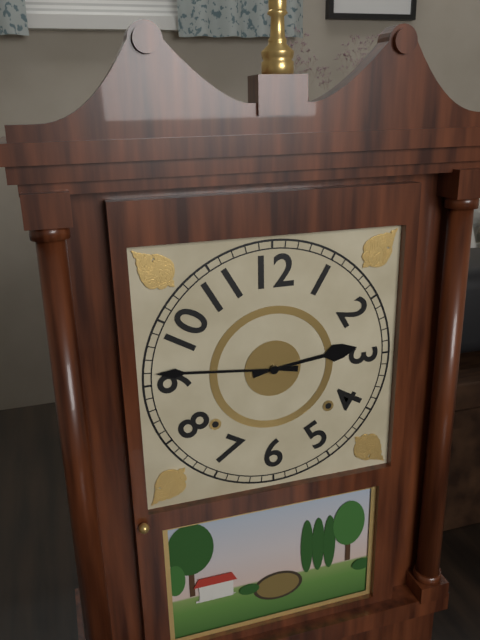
2.46
